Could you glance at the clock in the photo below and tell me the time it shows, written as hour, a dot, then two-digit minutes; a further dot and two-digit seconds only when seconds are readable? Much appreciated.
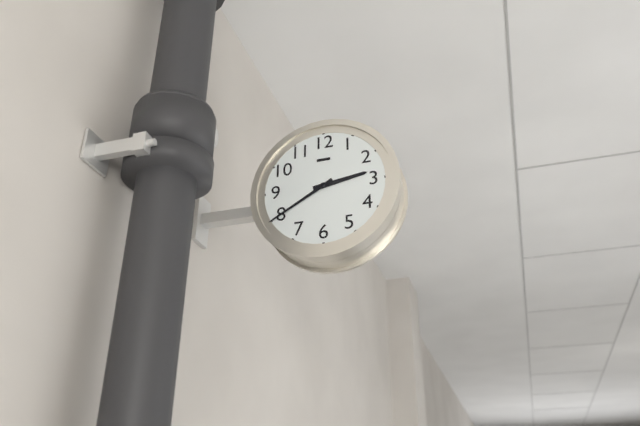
2.40
